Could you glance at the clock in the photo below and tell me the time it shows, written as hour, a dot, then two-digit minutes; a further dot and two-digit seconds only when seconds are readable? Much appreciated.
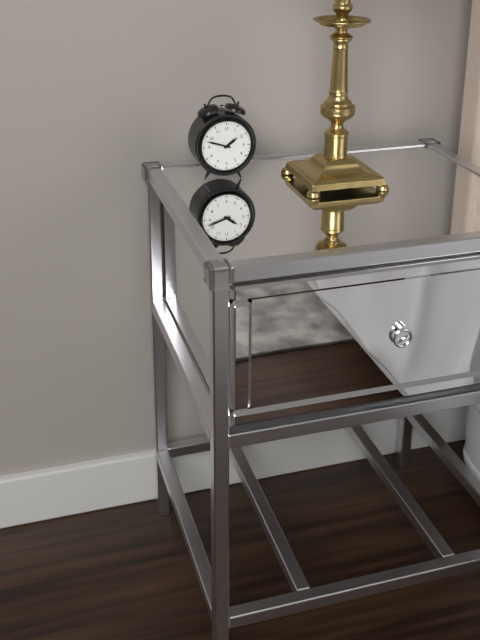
1.48
